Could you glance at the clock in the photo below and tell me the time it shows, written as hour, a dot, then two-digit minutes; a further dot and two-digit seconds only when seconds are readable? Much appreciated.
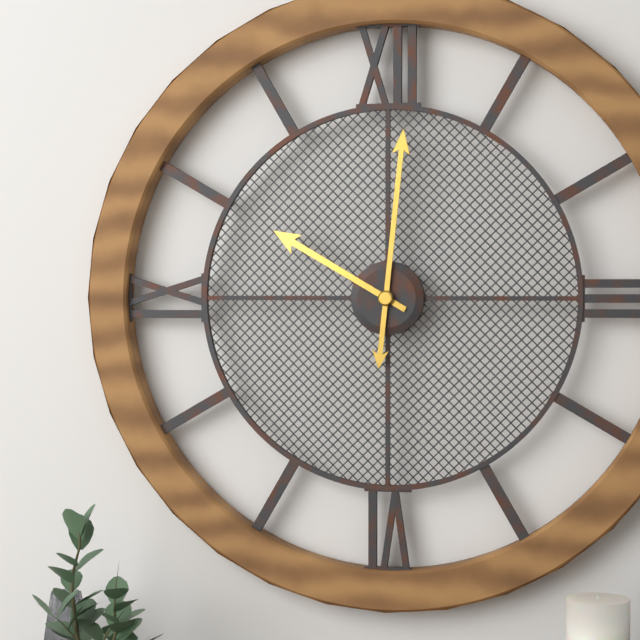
10.01
